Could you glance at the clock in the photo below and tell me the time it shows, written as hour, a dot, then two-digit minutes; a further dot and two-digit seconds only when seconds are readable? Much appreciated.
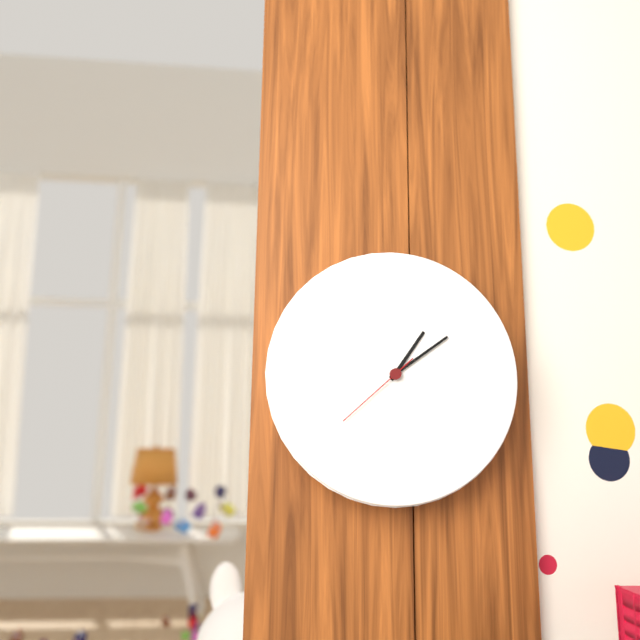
1.09.38
